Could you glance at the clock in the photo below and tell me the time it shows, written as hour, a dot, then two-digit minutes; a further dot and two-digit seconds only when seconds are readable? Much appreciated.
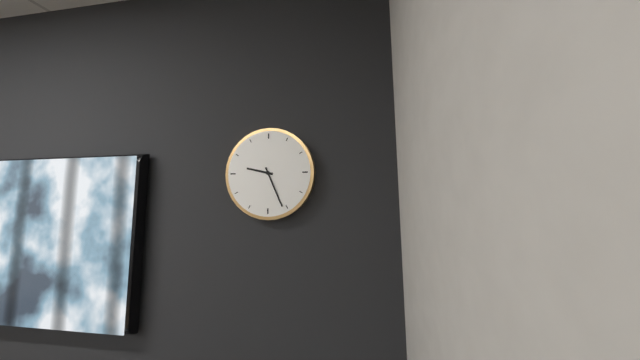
9.26
